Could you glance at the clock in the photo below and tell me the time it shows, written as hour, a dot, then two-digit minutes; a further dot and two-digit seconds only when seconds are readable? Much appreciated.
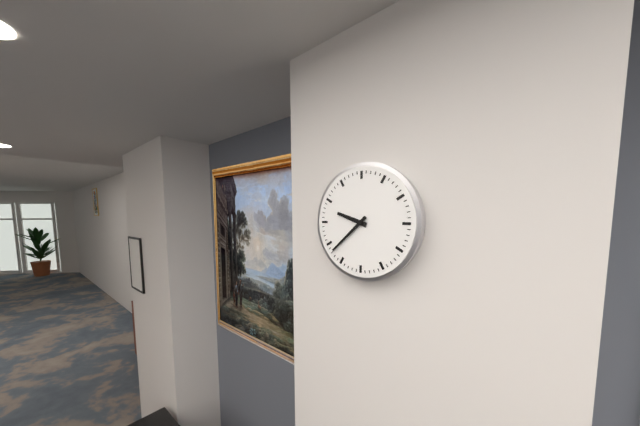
9.38
